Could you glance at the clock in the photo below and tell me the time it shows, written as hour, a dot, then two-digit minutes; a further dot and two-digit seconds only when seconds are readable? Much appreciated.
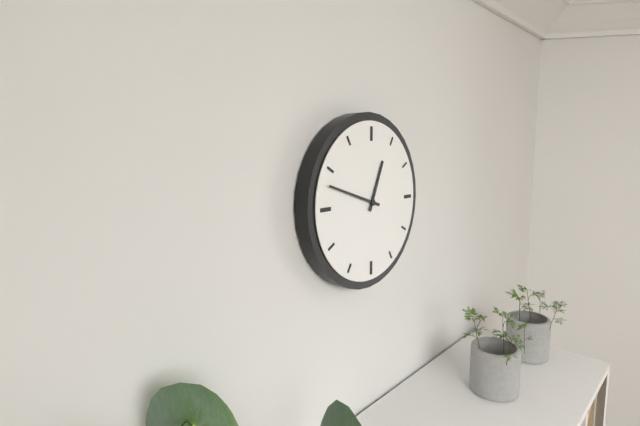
12.48
